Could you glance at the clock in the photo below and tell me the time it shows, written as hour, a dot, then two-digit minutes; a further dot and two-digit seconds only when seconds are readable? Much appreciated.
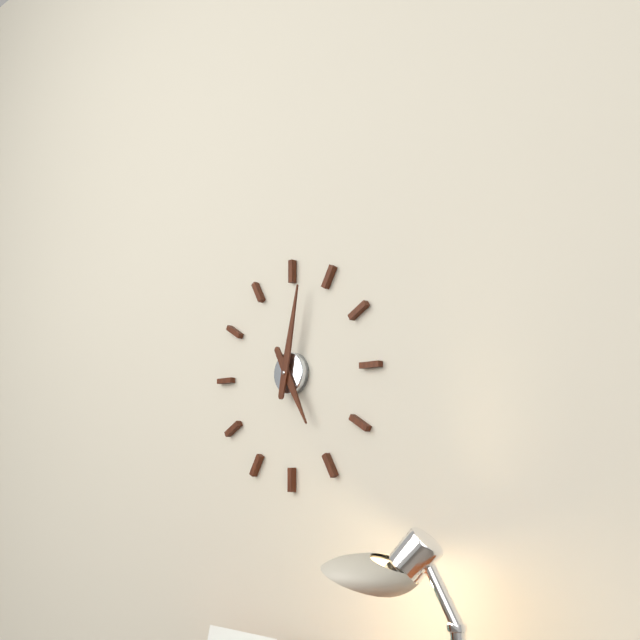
5.02
